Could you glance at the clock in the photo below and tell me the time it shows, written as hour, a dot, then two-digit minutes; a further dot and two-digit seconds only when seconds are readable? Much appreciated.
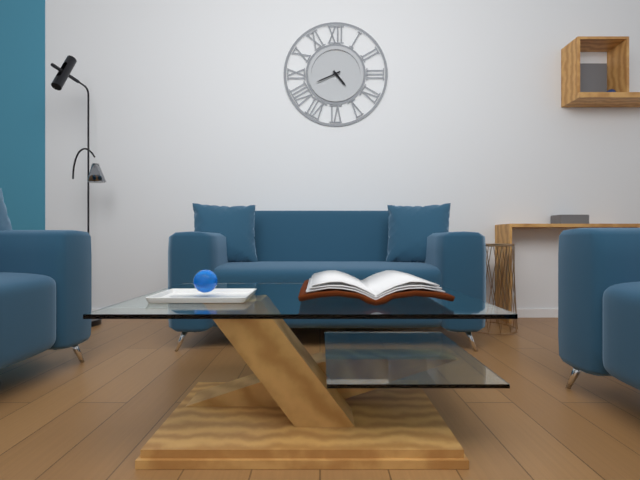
4.41
